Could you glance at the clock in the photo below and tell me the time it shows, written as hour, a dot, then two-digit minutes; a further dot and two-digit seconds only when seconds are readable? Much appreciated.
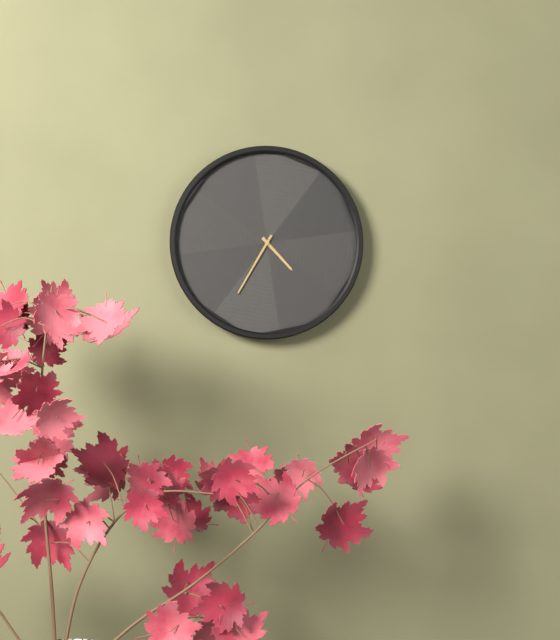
4.35
